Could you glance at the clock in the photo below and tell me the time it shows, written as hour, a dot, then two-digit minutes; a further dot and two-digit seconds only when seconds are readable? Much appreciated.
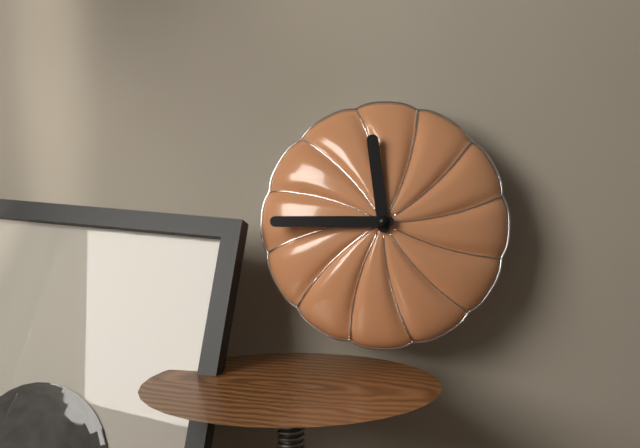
11.45
